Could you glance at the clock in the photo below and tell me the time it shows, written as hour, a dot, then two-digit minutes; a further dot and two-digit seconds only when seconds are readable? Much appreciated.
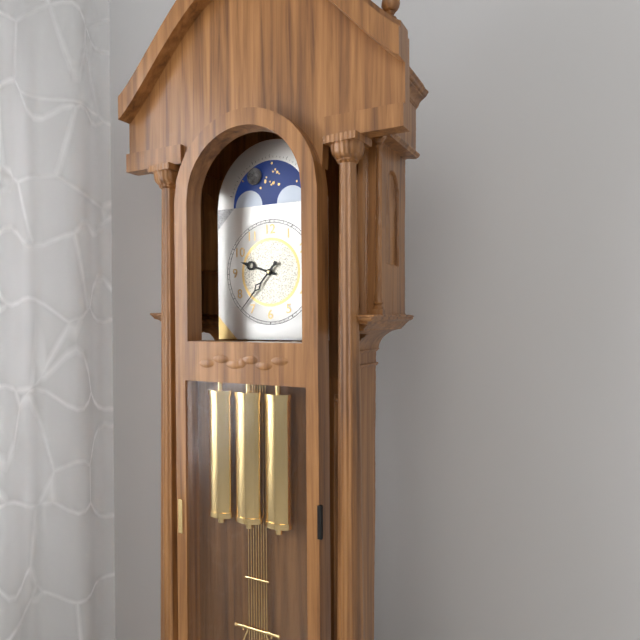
9.37
